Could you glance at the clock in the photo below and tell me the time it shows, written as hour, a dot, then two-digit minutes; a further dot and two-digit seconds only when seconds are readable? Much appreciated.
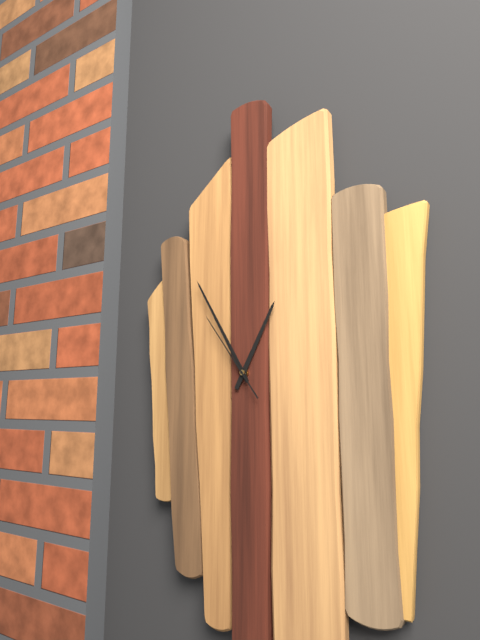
12.55.54
